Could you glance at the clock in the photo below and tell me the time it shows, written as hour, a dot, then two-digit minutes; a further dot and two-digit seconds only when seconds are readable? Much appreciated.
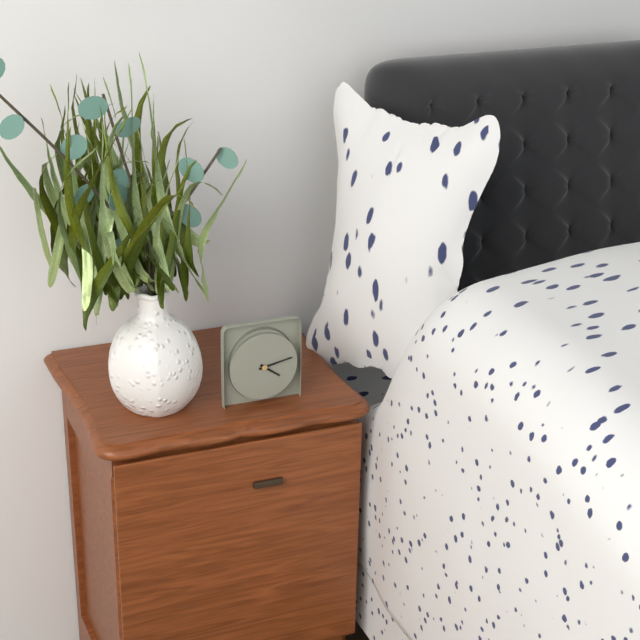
4.13
